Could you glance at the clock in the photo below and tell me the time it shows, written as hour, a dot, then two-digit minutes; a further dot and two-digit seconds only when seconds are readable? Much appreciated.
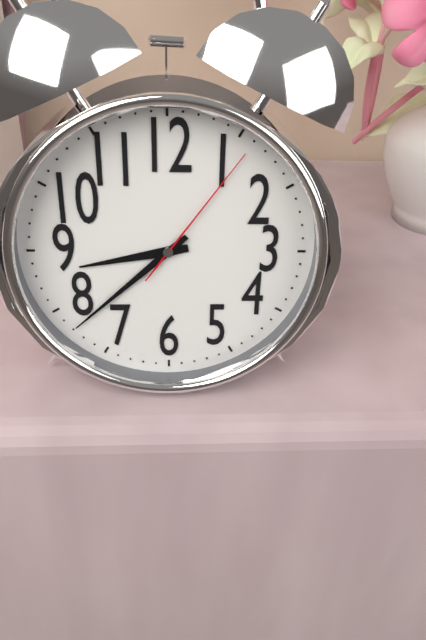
8.38.06
